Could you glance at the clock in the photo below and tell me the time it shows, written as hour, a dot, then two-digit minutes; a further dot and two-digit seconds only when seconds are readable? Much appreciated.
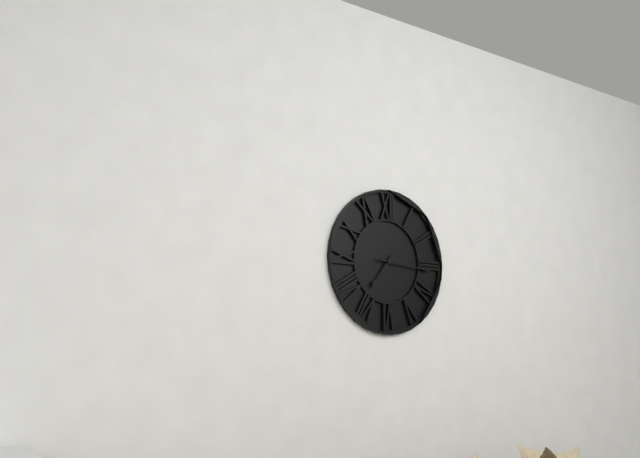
7.16
